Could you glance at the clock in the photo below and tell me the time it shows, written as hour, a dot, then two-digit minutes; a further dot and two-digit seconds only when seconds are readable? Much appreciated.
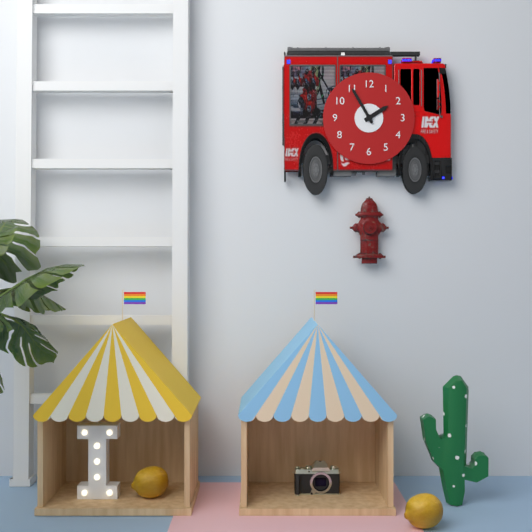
1.55
